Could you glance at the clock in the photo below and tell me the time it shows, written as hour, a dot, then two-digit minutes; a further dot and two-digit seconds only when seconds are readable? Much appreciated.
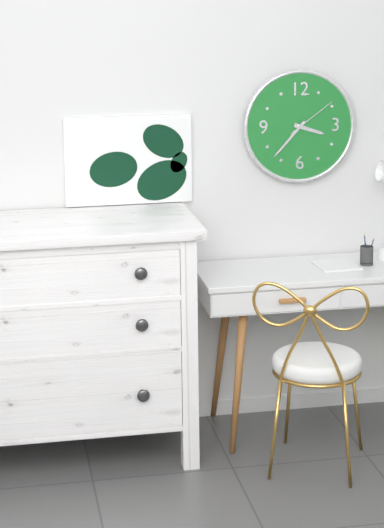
3.37.09
